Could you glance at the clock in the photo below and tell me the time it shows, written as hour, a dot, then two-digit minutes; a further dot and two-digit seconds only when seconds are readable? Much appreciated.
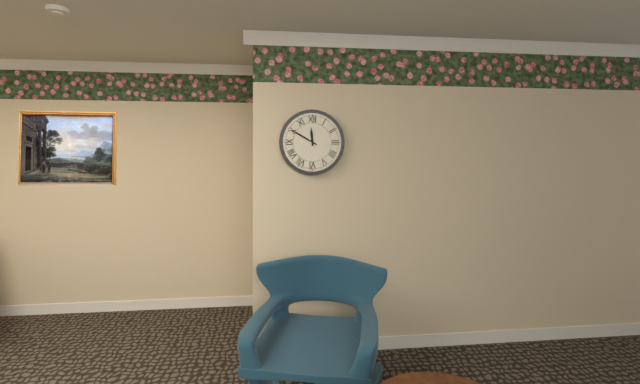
11.50
